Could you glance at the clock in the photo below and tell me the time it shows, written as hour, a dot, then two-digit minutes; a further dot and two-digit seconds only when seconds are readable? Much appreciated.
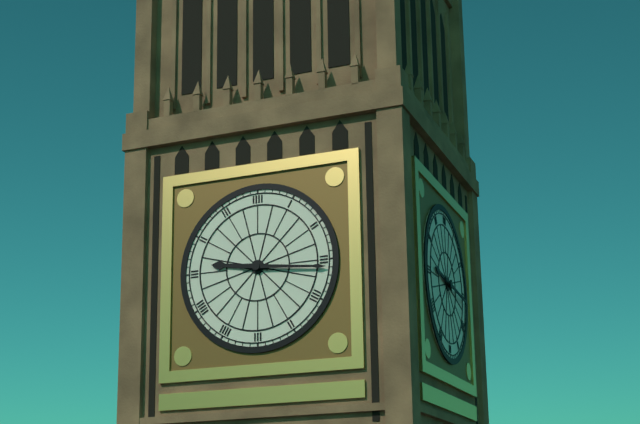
9.16
